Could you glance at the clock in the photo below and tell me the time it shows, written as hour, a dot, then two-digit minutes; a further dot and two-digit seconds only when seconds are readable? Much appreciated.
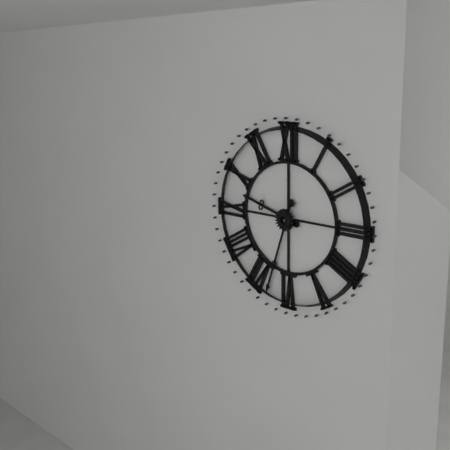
9.33
